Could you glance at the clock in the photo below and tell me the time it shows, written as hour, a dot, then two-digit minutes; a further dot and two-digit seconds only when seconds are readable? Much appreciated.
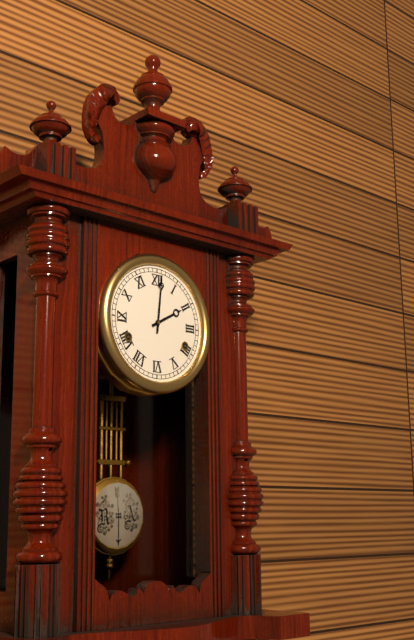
2.01
